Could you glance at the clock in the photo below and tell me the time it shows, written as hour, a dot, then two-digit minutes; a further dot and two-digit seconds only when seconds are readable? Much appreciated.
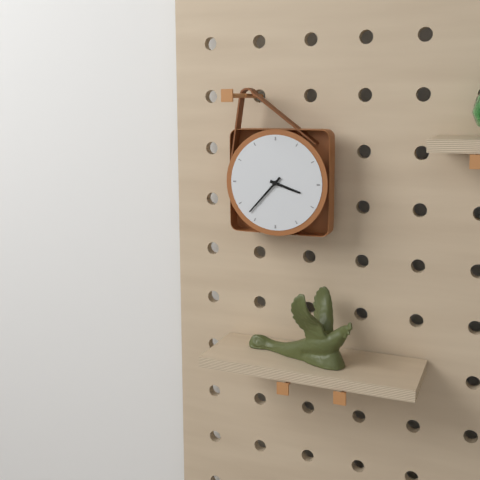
3.37
